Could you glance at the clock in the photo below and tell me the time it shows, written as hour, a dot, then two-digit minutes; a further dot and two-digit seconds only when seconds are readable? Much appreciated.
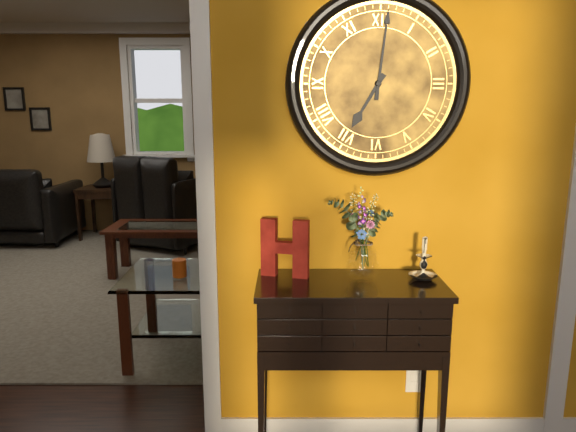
7.01
